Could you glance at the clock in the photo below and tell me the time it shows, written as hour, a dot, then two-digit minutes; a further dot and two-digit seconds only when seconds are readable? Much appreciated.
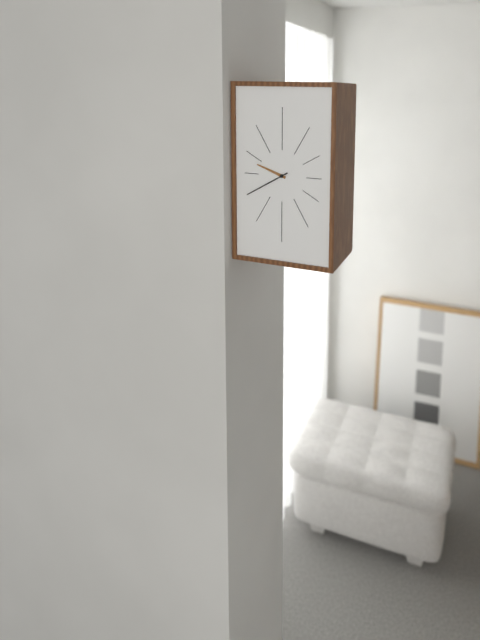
9.40
